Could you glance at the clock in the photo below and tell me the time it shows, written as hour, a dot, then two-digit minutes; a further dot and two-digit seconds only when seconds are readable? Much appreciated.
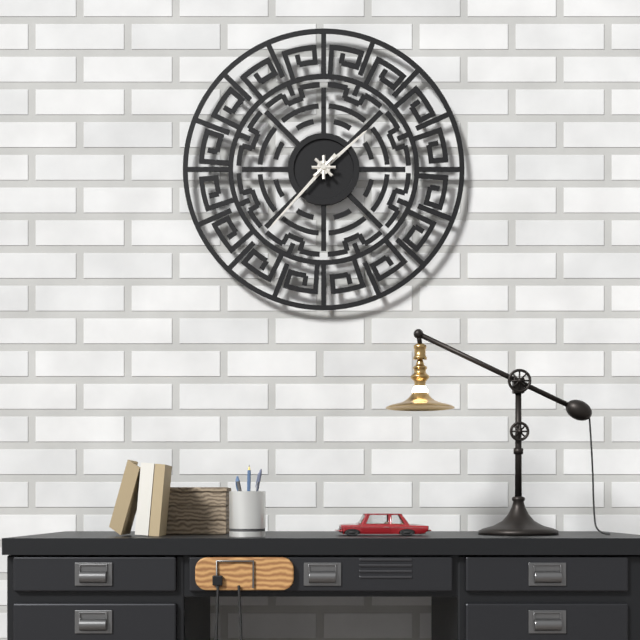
1.37
